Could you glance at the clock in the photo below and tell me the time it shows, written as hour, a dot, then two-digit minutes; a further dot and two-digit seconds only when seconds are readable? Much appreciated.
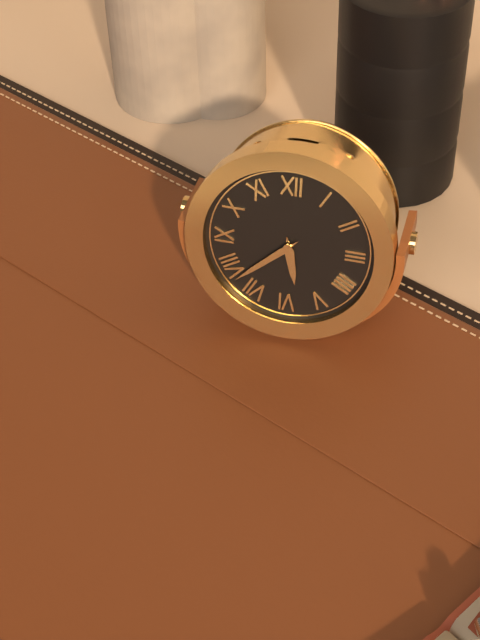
5.38
